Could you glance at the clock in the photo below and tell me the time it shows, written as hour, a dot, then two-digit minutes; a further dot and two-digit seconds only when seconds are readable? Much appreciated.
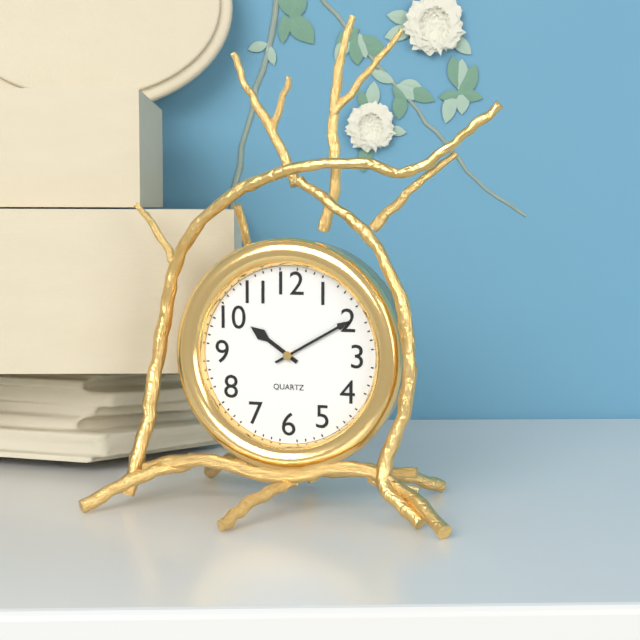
10.10
